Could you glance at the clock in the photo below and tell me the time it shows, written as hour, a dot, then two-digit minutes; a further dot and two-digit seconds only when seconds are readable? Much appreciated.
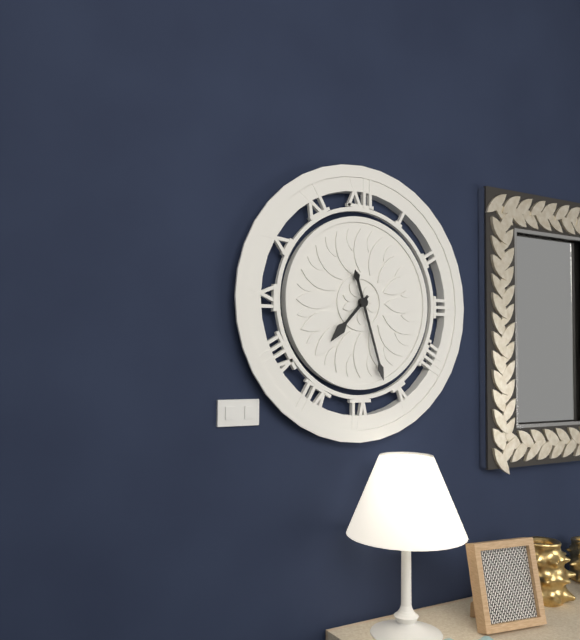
7.27
